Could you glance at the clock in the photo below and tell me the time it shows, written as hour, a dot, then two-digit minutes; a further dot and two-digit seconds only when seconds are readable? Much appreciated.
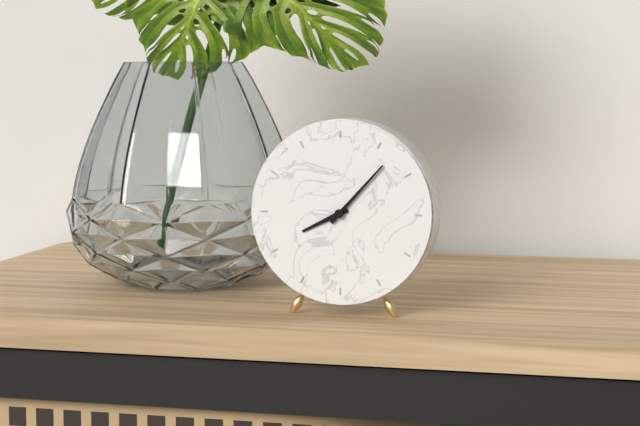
8.07
